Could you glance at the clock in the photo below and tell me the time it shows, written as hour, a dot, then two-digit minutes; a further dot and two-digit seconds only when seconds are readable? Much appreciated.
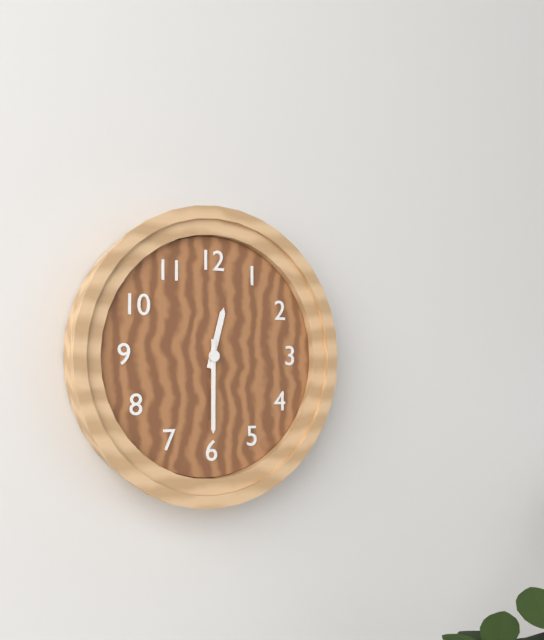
12.30
